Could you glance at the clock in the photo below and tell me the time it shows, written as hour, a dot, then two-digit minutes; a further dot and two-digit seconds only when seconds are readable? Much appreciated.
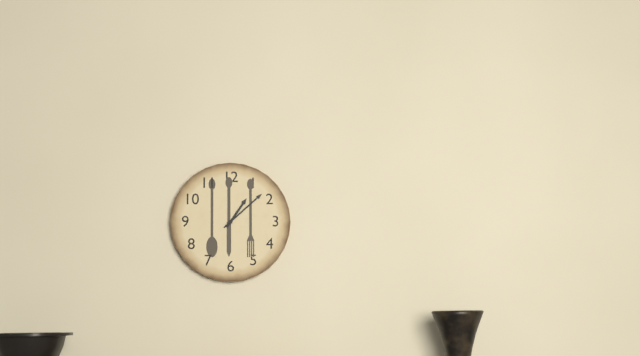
1.08
